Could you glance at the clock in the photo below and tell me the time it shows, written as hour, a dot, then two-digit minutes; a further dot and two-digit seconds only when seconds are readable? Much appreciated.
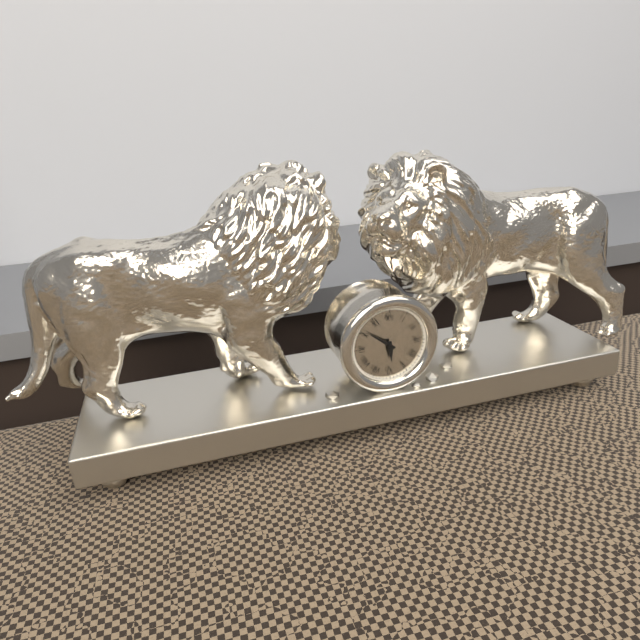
5.51
